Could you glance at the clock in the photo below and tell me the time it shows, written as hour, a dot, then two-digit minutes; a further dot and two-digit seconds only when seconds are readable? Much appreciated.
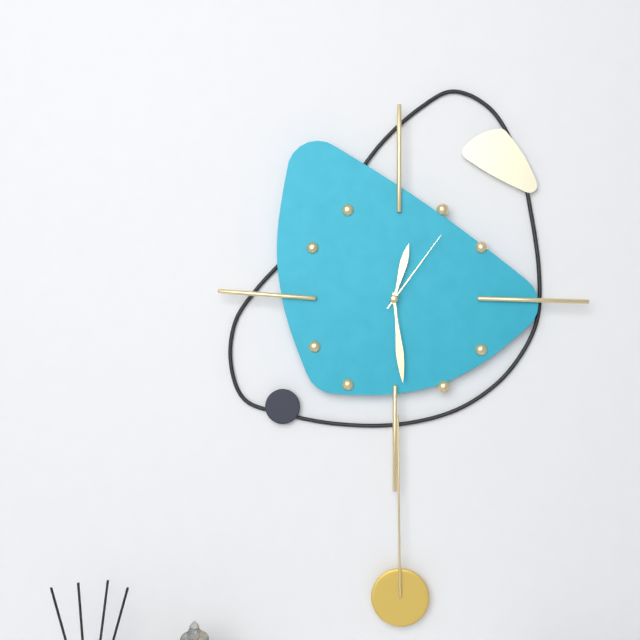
12.29.06
